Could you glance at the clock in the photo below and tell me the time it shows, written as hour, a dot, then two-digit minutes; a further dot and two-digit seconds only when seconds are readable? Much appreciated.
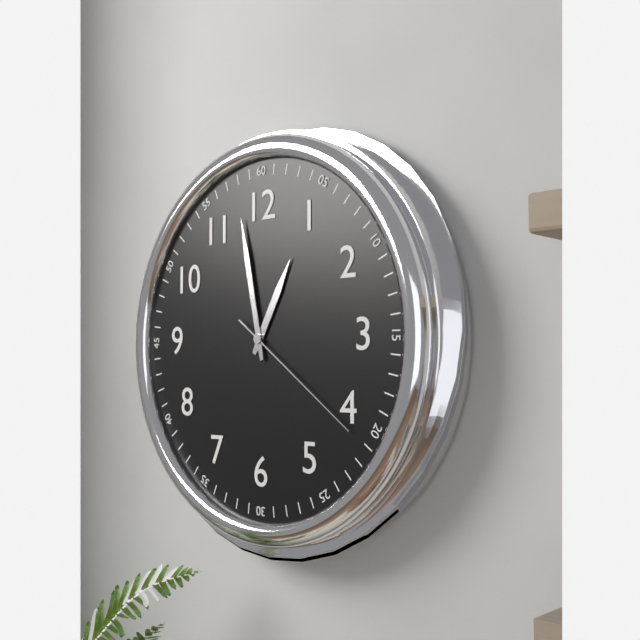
12.58.21
